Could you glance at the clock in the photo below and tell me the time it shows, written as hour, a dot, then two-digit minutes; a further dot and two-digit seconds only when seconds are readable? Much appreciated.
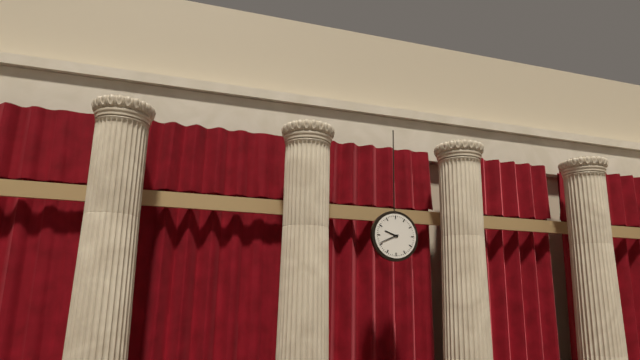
9.41
